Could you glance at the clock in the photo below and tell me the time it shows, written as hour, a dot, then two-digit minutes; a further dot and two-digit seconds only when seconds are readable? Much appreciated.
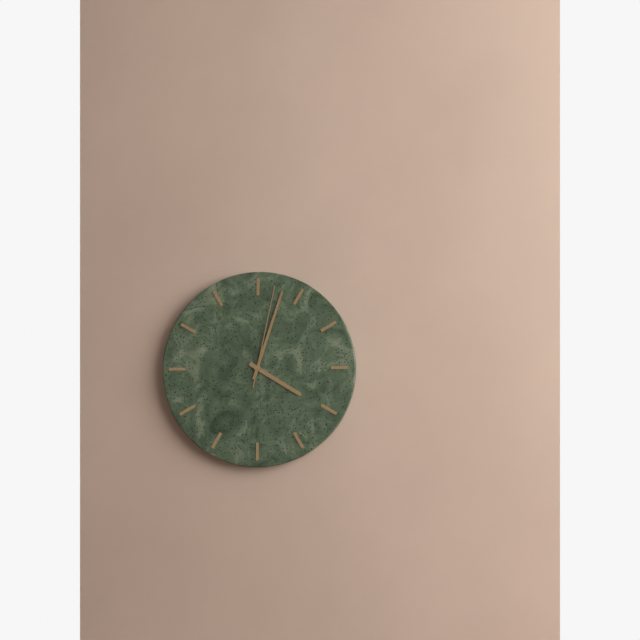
4.03.02
